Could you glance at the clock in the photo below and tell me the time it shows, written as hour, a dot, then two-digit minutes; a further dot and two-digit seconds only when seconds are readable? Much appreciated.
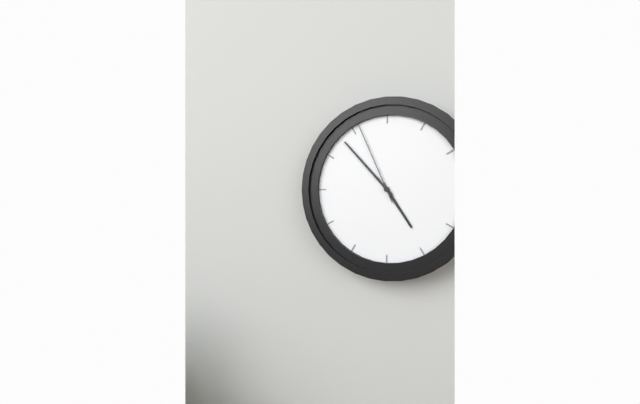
4.53.56
